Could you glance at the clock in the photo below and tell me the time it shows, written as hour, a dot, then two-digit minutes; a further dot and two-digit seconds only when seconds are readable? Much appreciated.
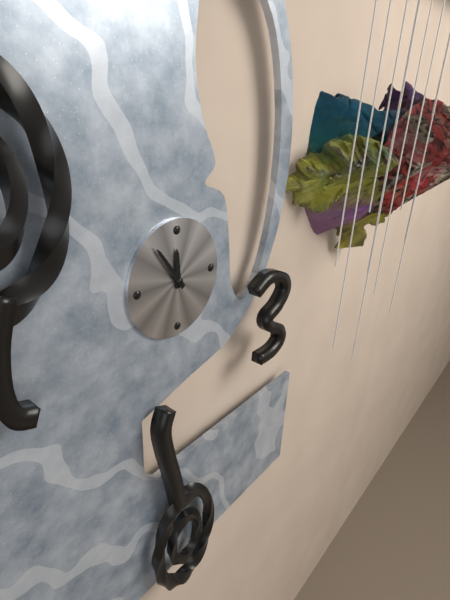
11.54
